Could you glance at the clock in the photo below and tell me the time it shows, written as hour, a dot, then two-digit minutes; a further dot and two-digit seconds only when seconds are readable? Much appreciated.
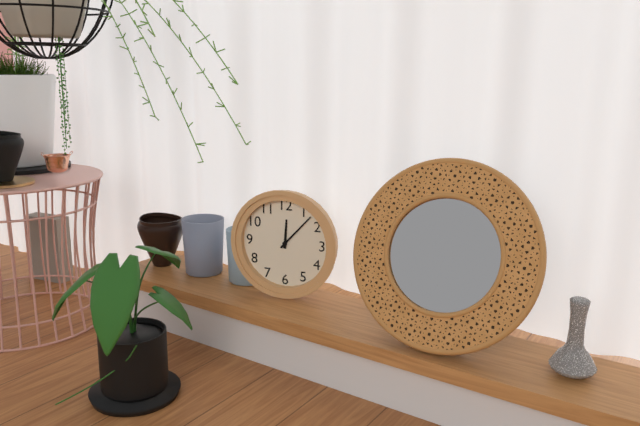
12.07
